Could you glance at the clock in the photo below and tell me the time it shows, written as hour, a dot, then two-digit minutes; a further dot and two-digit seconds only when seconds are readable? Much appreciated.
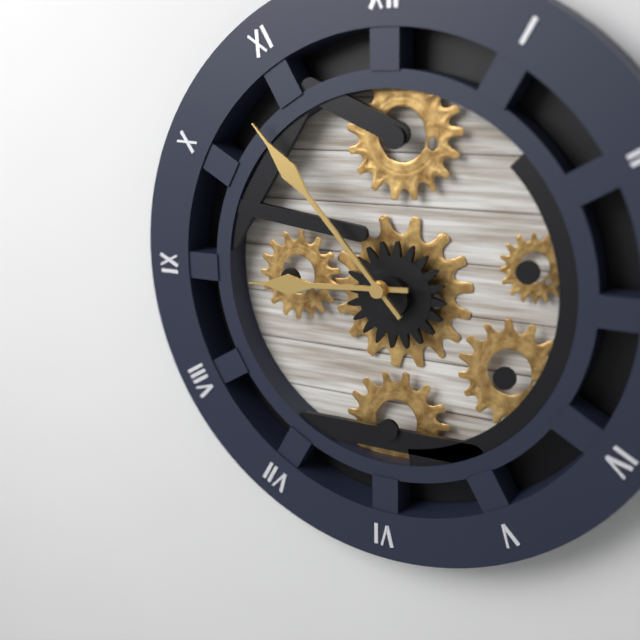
8.53
